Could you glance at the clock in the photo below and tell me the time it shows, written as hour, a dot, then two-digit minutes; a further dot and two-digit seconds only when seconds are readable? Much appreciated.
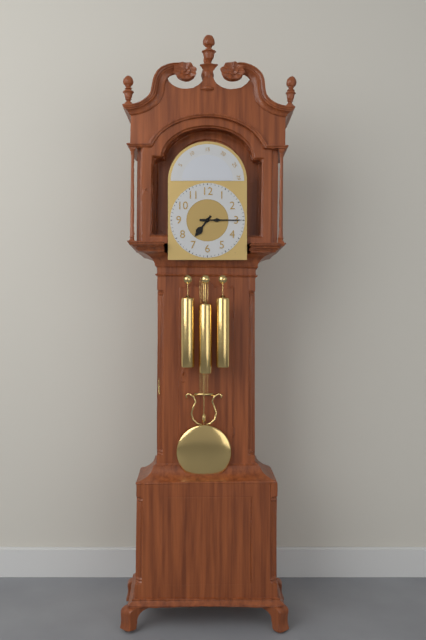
7.15
